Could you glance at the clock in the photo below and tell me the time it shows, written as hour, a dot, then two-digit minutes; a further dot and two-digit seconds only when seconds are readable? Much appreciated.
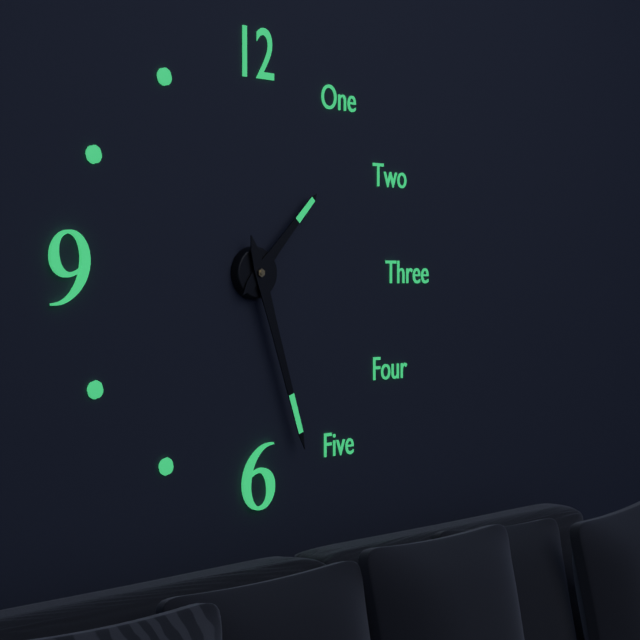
1.27
